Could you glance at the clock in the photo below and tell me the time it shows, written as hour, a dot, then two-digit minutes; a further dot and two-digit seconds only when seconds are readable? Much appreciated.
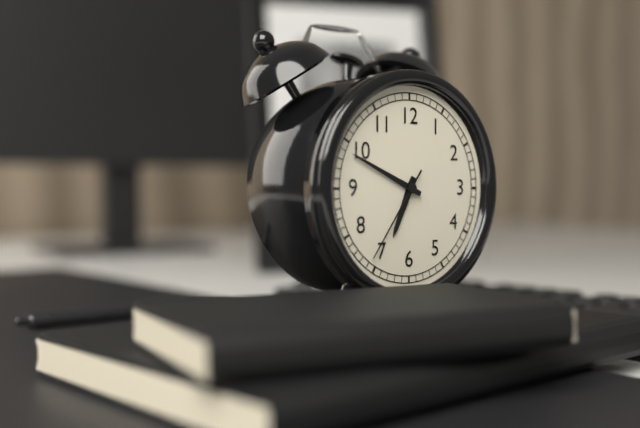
6.49.36
